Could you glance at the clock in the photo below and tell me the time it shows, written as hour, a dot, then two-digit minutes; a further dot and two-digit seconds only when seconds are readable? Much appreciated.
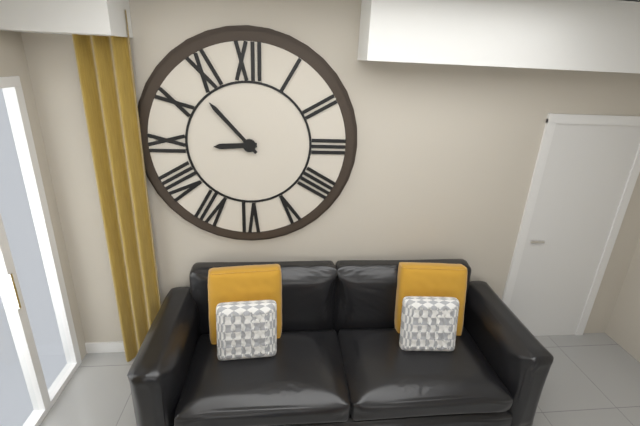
8.53
